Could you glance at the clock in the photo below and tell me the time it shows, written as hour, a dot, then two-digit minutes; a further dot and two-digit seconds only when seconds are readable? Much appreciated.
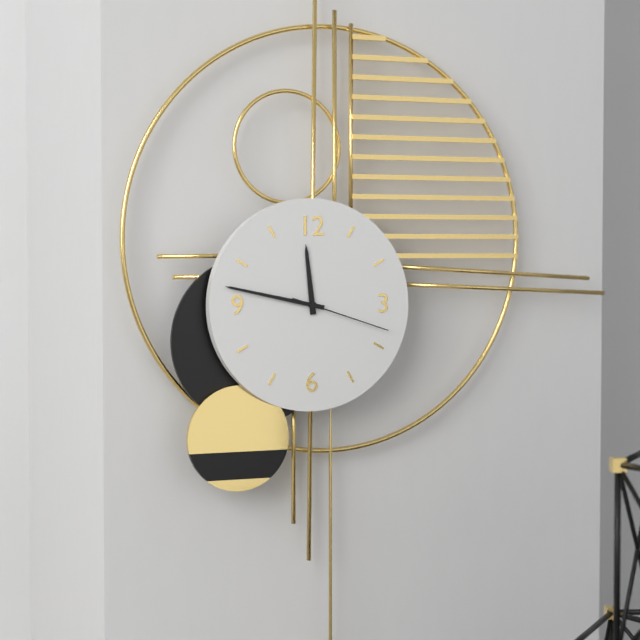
11.47.18
